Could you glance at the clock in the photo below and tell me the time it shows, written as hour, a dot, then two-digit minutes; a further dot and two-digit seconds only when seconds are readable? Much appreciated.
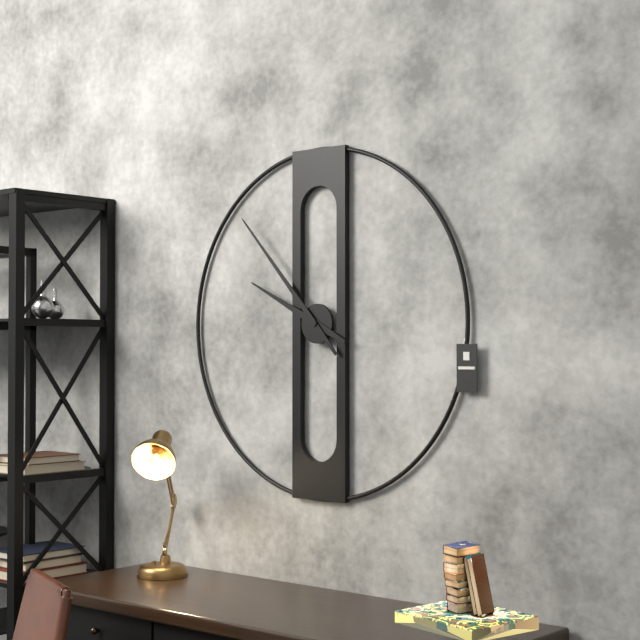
9.53
